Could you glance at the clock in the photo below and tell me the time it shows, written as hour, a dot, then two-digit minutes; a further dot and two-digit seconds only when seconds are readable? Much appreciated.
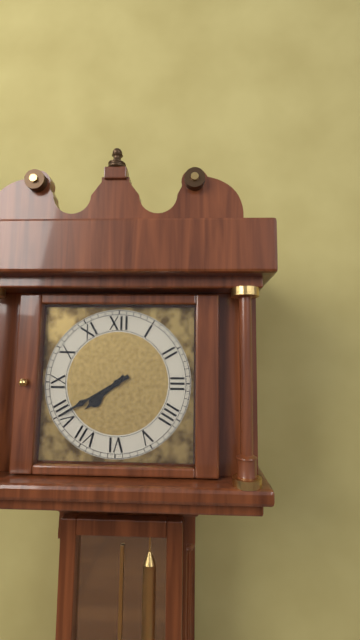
7.40
